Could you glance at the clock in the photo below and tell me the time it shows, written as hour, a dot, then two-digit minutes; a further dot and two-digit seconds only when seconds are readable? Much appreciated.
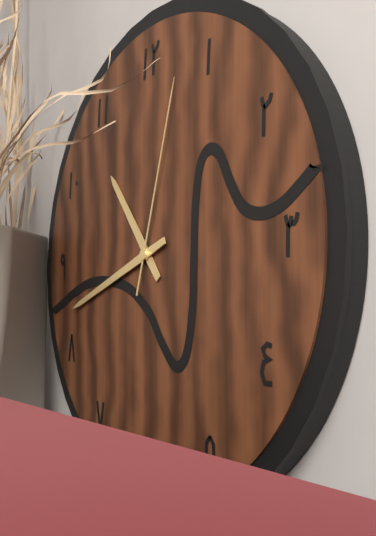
10.42.03
